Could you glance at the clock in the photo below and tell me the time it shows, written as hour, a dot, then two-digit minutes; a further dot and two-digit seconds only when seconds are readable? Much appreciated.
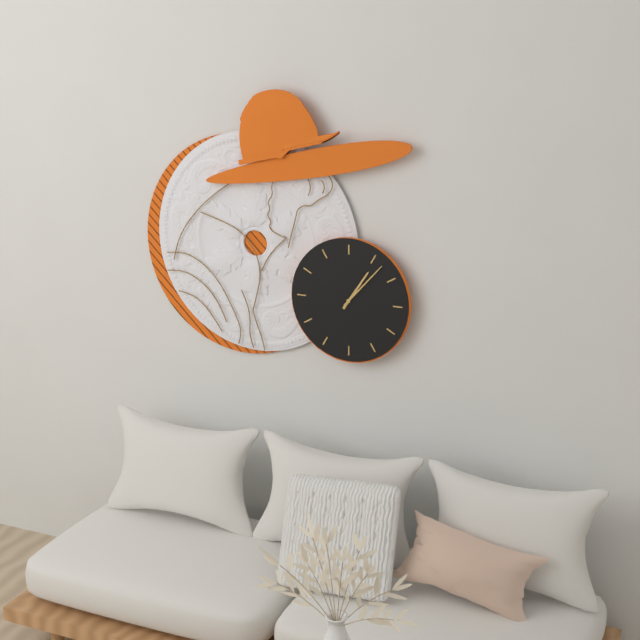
1.07
